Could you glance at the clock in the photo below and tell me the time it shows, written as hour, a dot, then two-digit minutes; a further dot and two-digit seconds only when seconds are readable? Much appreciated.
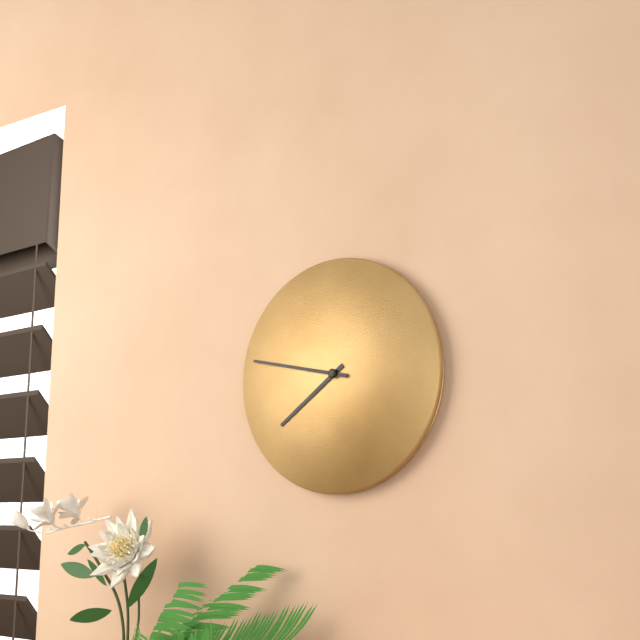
7.47
